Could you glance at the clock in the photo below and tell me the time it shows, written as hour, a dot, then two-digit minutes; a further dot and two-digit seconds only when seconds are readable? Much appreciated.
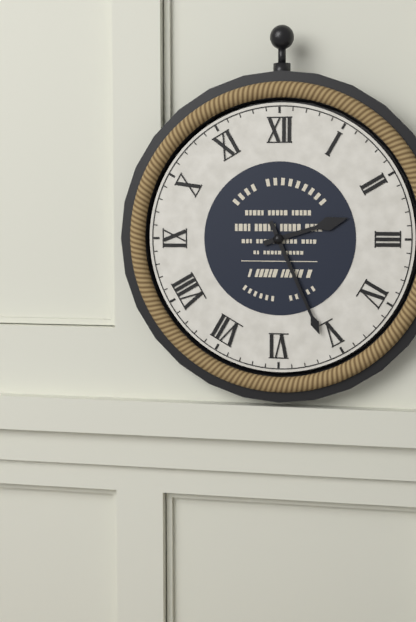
2.26
